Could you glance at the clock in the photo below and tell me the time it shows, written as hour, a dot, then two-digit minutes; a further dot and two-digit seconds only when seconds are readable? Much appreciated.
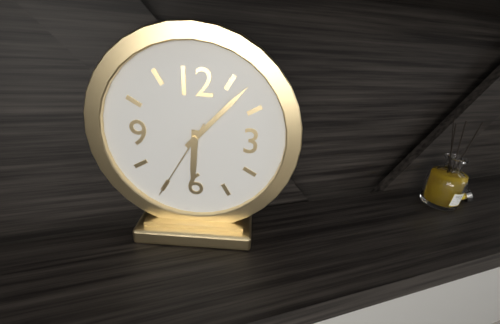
6.07.35
